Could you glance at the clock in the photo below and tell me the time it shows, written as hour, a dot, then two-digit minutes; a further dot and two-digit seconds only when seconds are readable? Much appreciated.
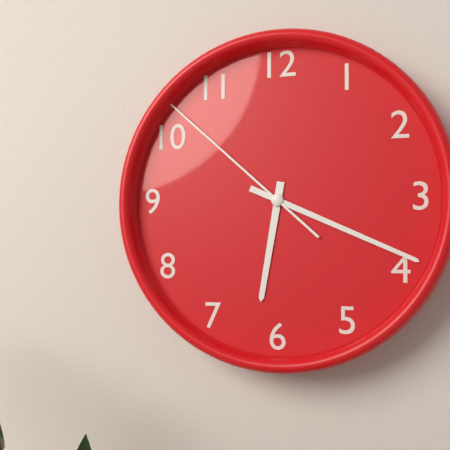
6.19.52
